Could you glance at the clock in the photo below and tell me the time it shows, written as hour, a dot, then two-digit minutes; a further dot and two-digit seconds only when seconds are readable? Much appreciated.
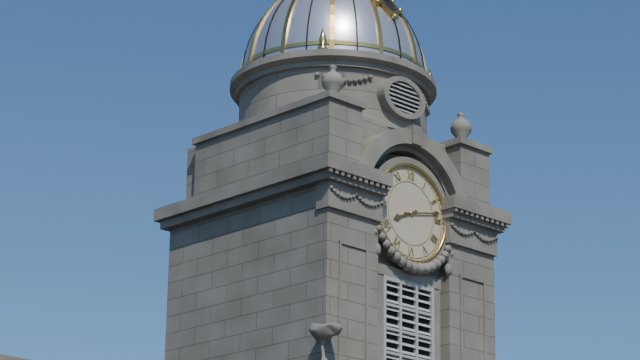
8.13
